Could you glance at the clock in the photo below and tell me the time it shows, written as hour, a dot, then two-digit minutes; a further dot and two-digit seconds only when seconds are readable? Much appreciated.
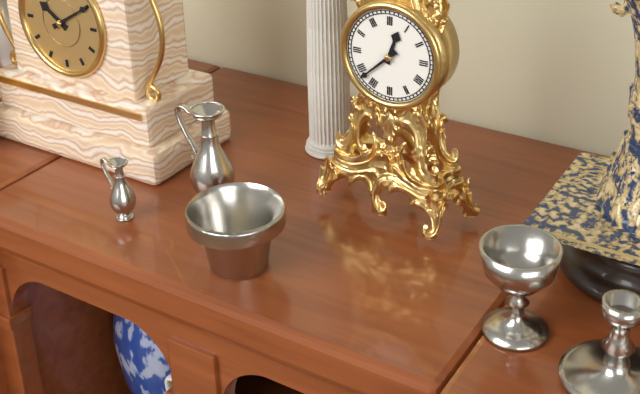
12.38
